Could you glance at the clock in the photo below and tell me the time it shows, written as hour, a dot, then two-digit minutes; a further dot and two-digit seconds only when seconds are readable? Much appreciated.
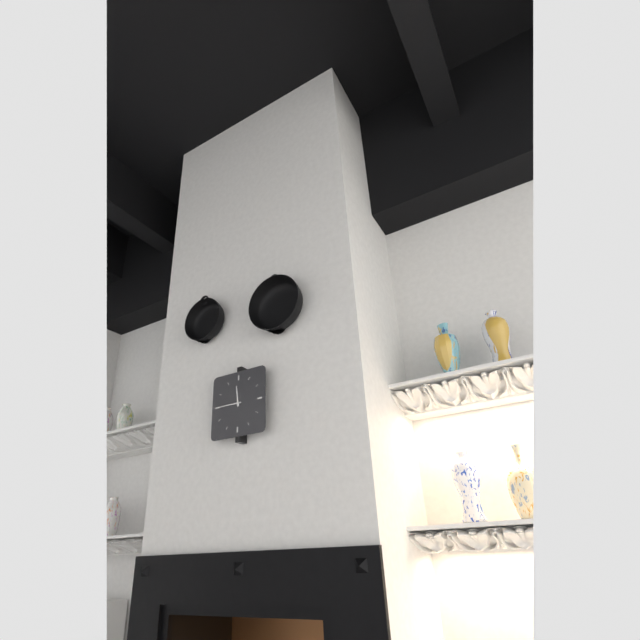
11.45
